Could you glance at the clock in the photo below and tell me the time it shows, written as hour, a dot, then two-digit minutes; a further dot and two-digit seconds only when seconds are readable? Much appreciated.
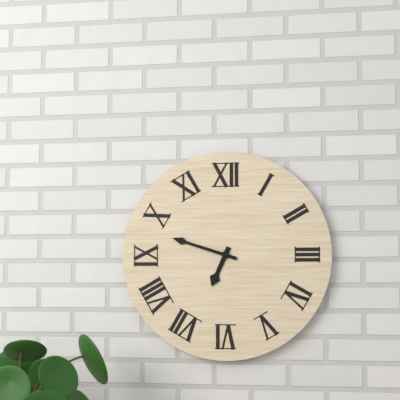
6.48
